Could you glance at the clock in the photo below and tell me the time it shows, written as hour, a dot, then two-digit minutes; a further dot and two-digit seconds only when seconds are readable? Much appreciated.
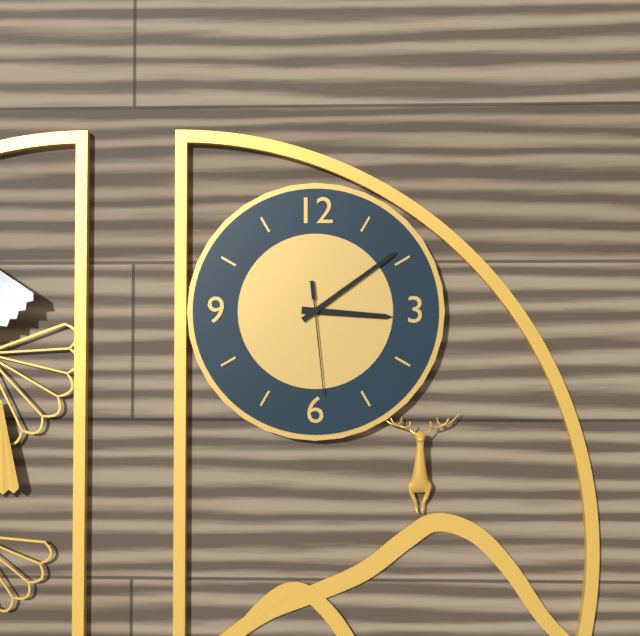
3.09.29
